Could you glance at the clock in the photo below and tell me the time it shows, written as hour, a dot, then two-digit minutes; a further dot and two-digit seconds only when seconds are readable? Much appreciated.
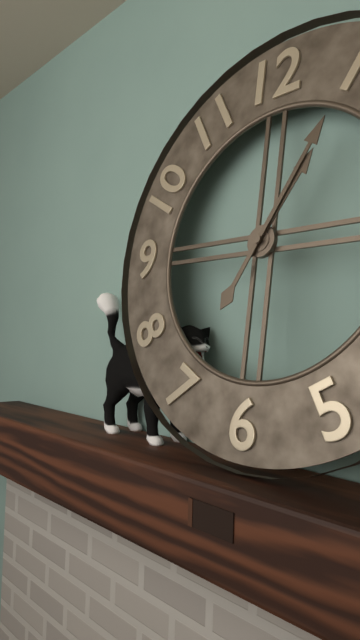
1.05
